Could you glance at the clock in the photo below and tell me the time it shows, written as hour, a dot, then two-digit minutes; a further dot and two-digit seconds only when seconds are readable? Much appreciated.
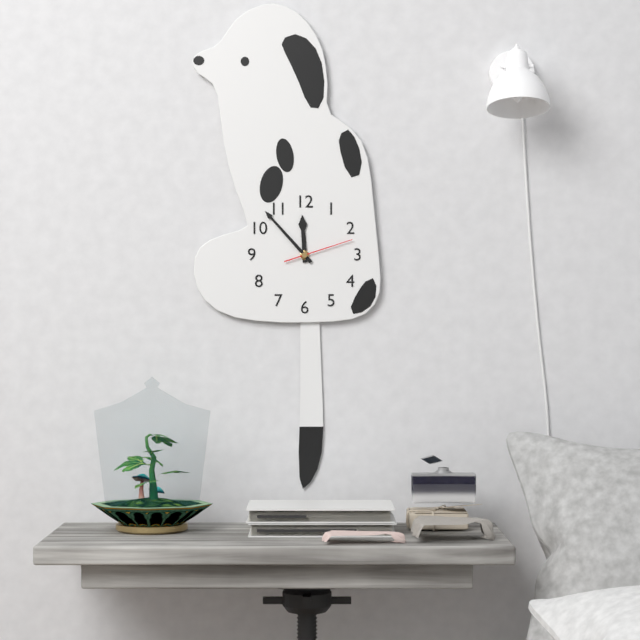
11.53.12
